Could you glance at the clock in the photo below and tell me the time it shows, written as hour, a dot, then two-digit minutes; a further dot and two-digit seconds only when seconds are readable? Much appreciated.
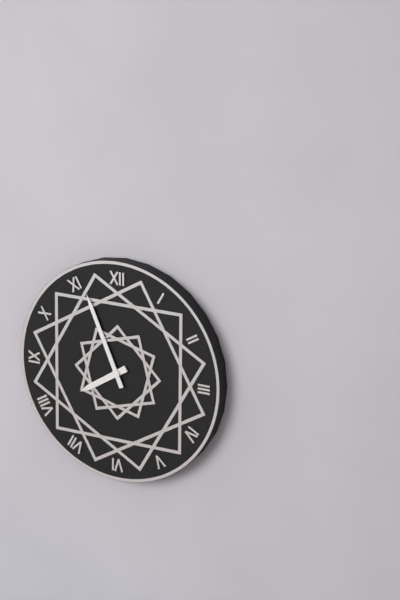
7.56
